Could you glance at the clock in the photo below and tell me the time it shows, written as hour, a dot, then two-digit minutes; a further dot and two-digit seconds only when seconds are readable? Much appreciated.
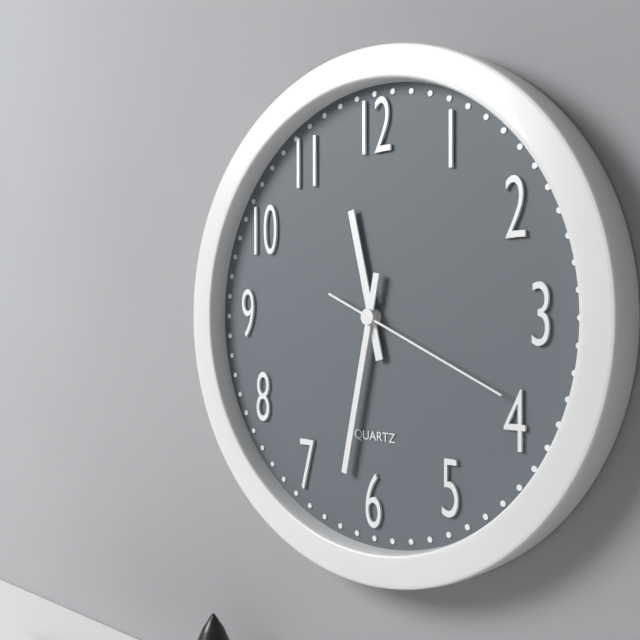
11.32.19
